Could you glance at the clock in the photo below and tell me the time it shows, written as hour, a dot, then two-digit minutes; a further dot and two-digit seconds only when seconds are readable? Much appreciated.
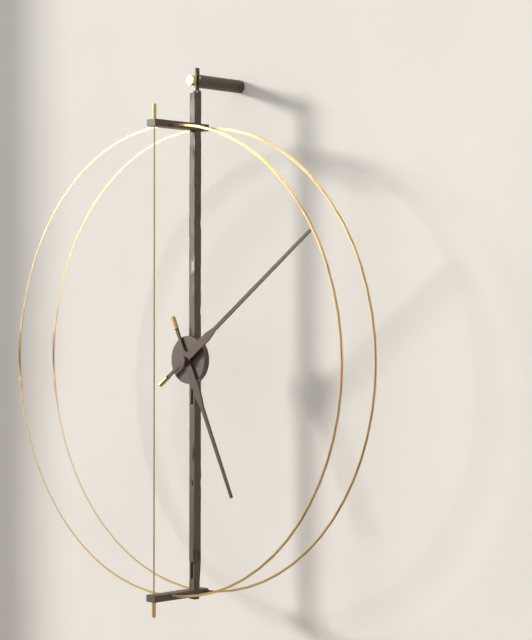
5.09
